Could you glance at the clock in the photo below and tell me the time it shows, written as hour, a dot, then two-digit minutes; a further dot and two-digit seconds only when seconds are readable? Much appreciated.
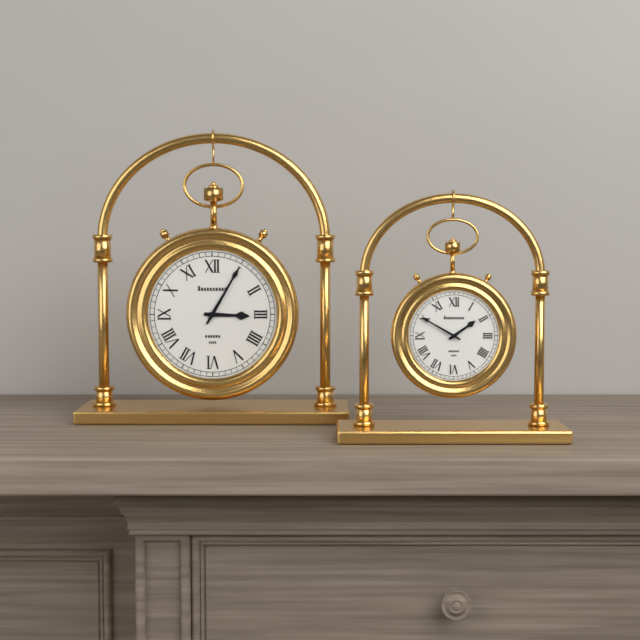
3.05
